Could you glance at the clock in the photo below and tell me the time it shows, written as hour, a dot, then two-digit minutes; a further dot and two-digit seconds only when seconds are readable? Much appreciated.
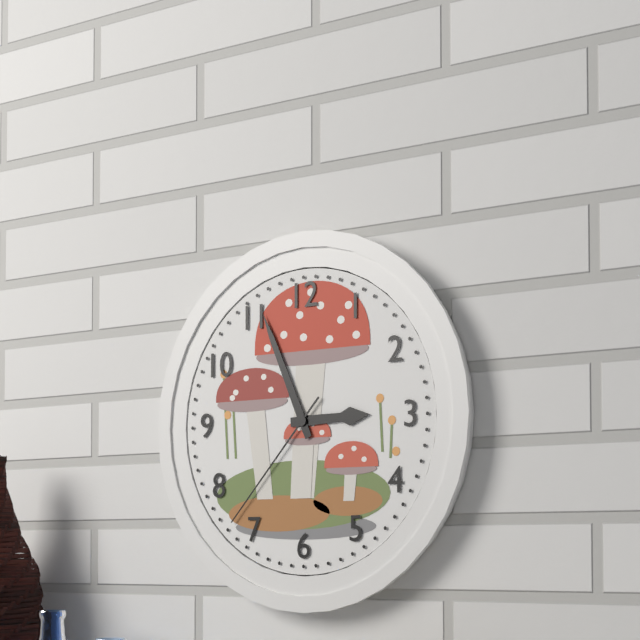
2.56.37
